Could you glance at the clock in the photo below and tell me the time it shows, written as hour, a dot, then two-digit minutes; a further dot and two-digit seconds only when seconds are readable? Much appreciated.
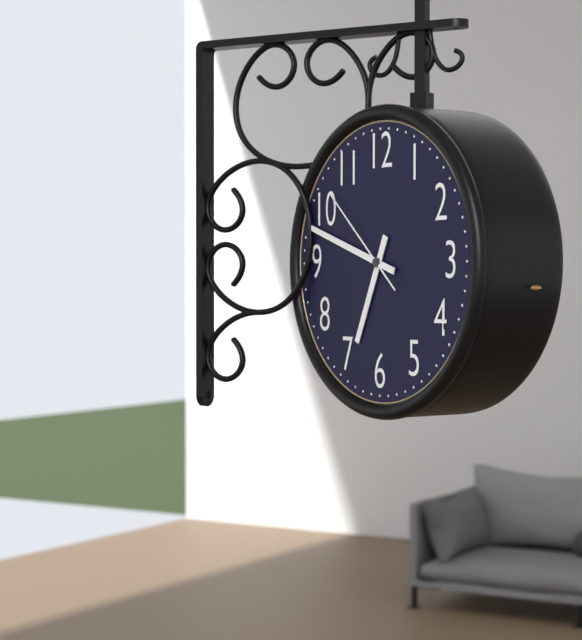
6.48.52
